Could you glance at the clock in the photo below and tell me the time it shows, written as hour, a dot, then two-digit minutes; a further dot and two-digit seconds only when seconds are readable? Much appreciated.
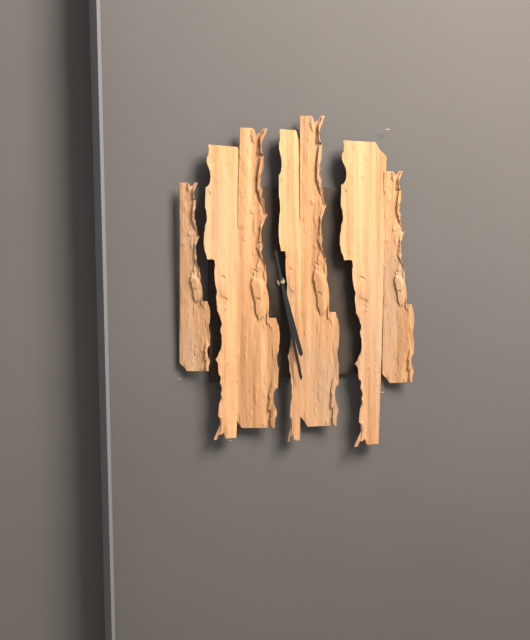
5.28
